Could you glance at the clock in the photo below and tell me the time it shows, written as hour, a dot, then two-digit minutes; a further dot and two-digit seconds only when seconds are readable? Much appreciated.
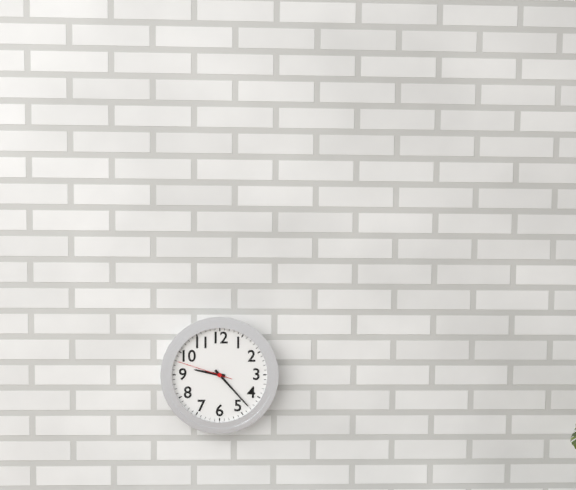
9.23.48
